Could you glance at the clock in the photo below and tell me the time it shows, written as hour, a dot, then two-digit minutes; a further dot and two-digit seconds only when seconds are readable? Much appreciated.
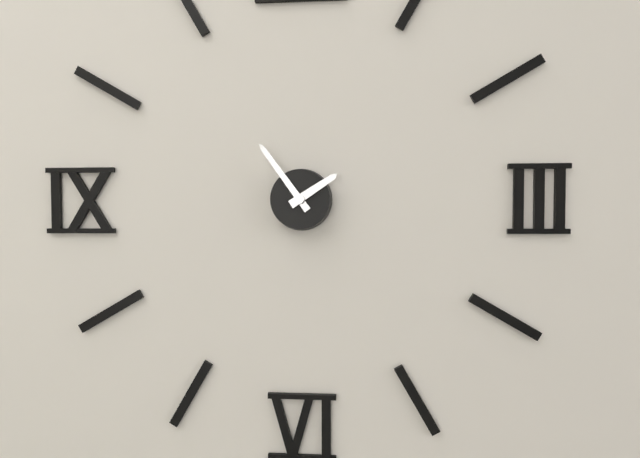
1.54
